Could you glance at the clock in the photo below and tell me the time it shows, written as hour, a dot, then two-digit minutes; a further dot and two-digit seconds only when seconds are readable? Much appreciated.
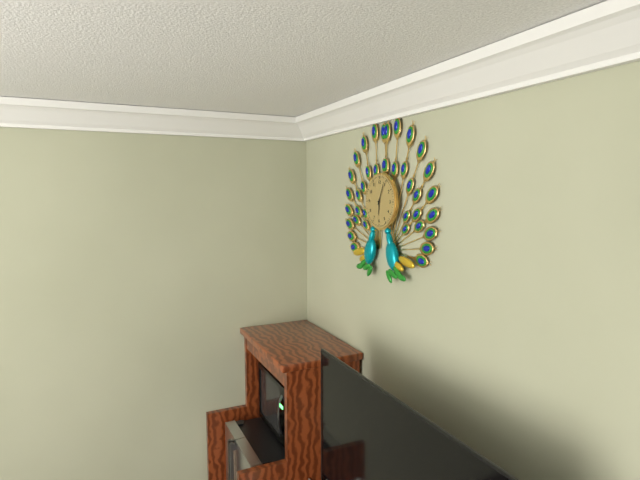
6.04
